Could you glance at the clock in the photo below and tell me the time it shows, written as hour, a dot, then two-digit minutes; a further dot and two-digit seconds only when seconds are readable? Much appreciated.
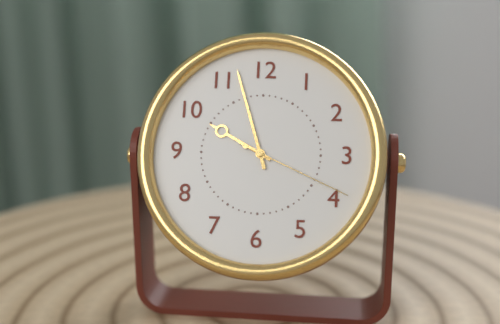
9.57.19
